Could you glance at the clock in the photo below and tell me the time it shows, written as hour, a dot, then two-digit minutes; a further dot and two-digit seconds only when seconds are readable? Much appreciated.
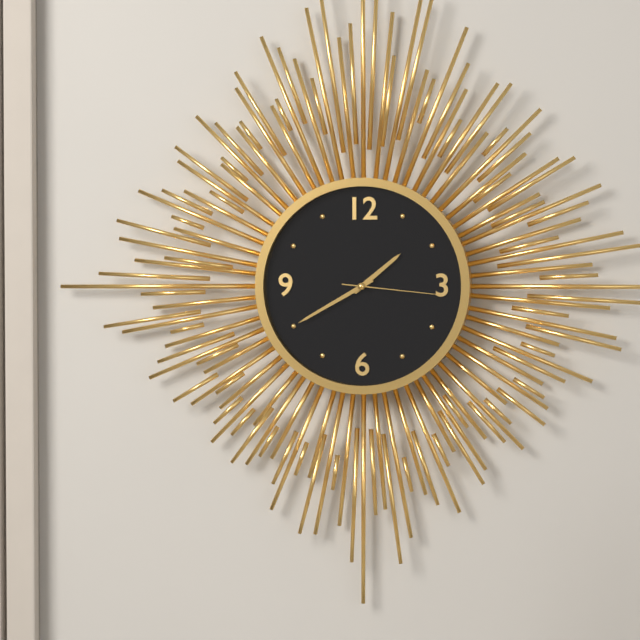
1.40.16
